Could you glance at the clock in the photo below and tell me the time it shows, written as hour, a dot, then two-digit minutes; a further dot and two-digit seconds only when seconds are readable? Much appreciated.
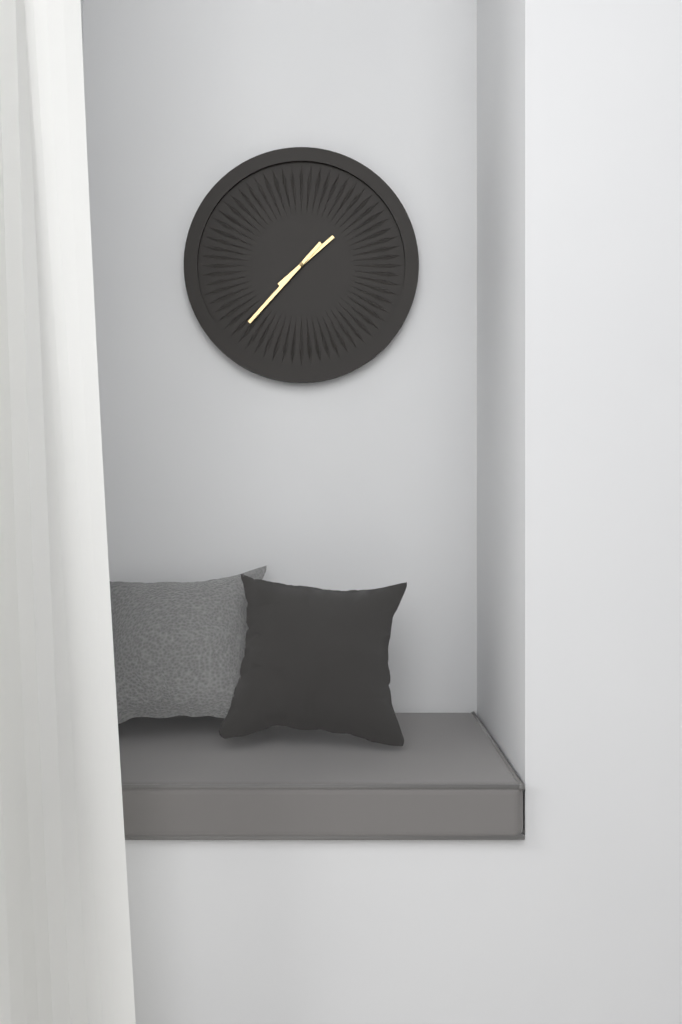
1.37
